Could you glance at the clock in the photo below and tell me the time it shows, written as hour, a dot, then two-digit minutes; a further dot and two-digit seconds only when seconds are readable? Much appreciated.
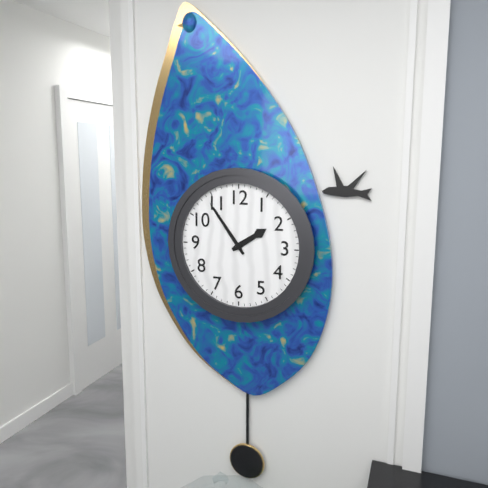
1.54
